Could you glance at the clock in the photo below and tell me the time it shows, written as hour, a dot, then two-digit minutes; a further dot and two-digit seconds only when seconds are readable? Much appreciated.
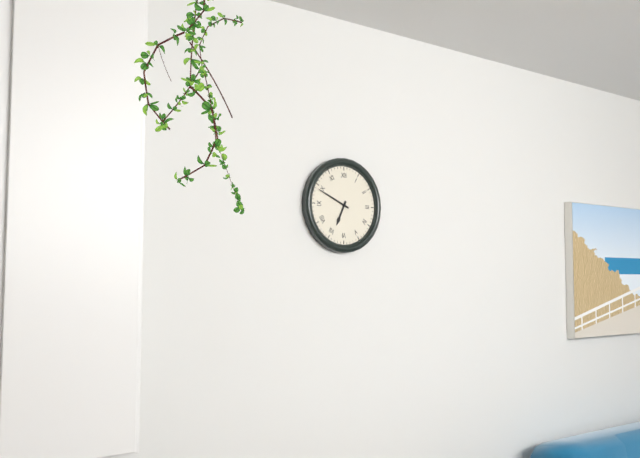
6.49
